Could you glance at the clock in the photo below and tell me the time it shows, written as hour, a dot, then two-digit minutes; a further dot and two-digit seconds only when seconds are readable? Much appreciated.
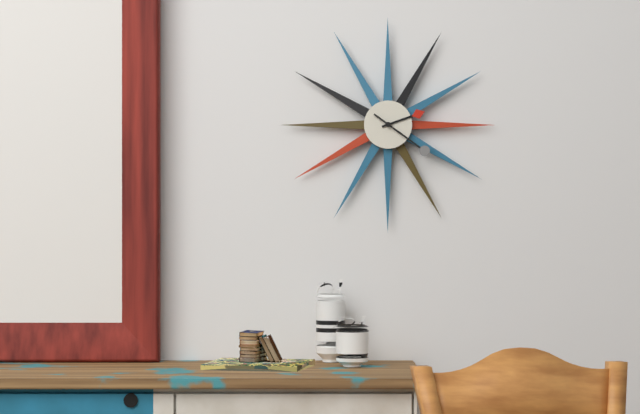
2.21
